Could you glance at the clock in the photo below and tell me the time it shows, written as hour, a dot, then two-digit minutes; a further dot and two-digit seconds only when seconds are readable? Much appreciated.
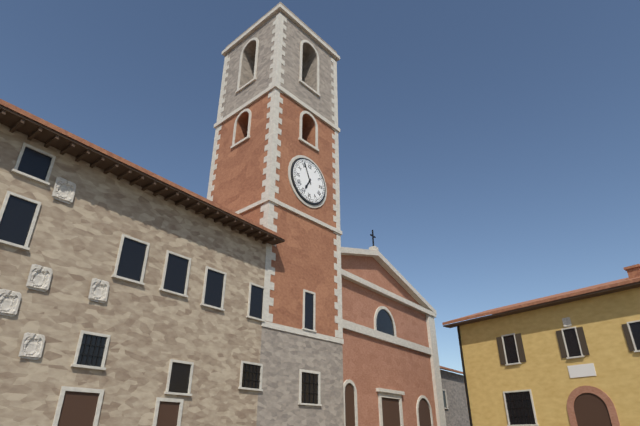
6.56
